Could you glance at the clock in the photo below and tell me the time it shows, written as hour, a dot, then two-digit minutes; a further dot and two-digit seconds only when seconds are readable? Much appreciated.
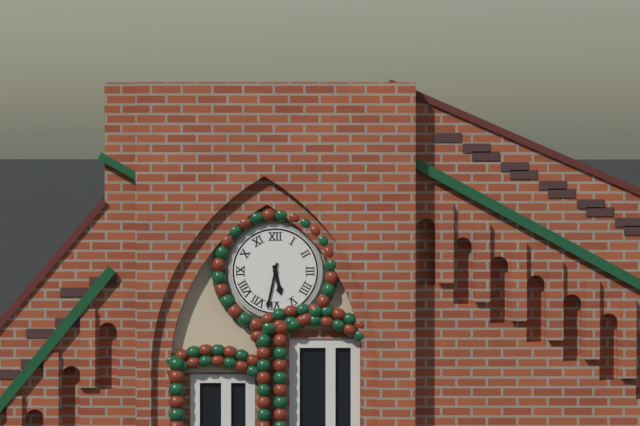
5.32
